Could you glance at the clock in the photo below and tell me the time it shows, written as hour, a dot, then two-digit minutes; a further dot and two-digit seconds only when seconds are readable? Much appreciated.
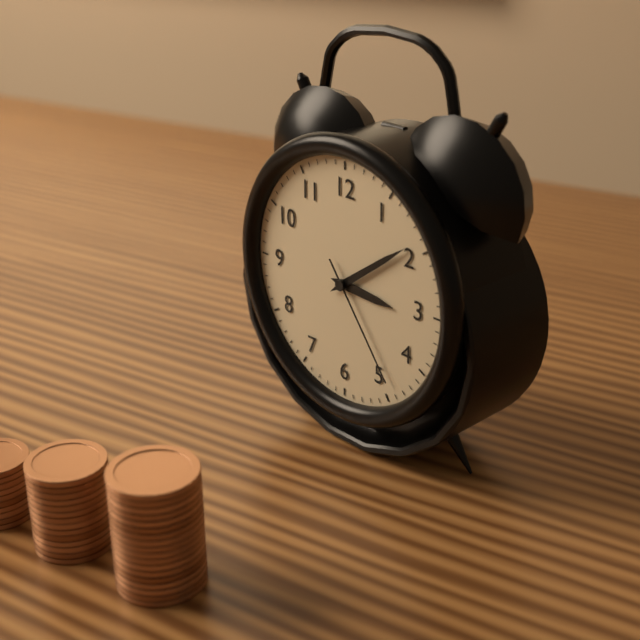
3.09.24
